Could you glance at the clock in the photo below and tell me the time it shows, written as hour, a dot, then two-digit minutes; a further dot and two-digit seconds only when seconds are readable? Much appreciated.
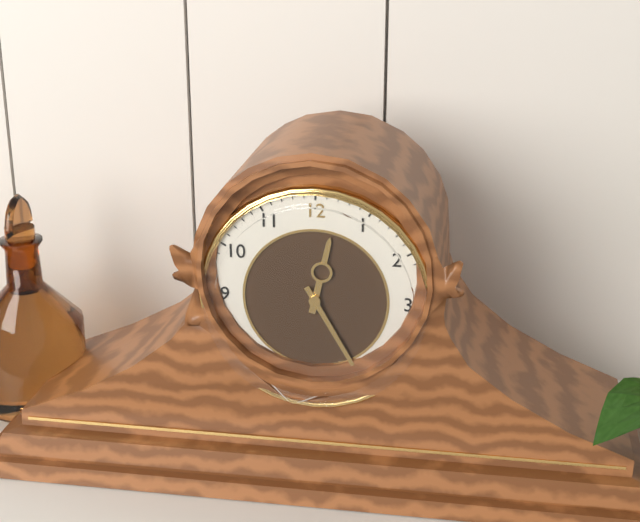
12.25
